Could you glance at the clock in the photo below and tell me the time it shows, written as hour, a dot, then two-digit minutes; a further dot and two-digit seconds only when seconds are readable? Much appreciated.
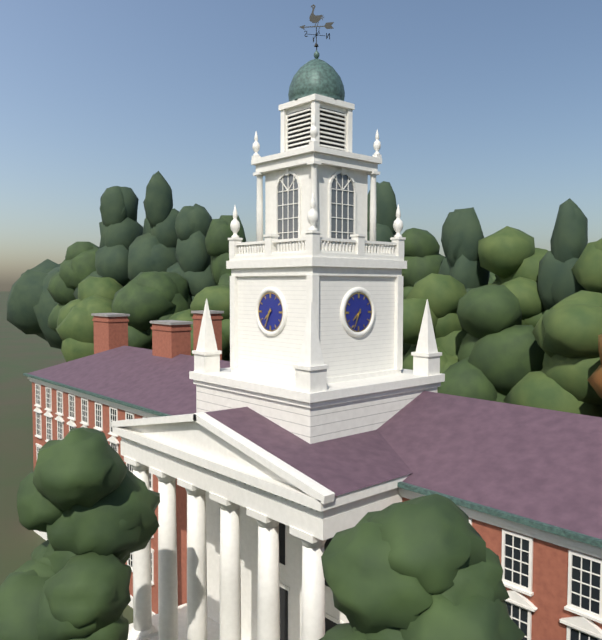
7.34
